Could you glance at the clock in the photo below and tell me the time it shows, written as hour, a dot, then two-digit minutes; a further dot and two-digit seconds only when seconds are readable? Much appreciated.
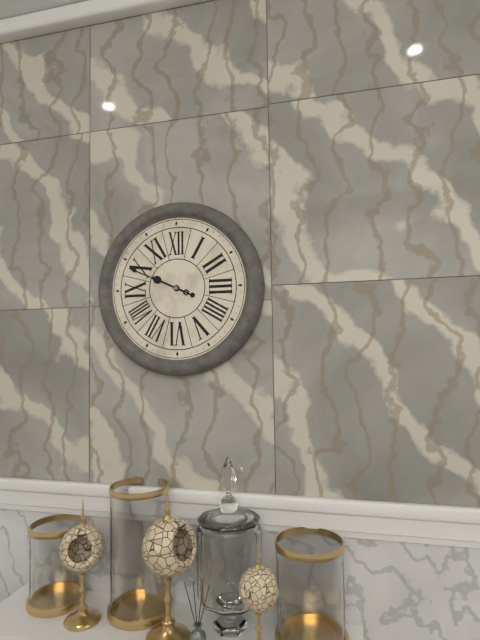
9.49
